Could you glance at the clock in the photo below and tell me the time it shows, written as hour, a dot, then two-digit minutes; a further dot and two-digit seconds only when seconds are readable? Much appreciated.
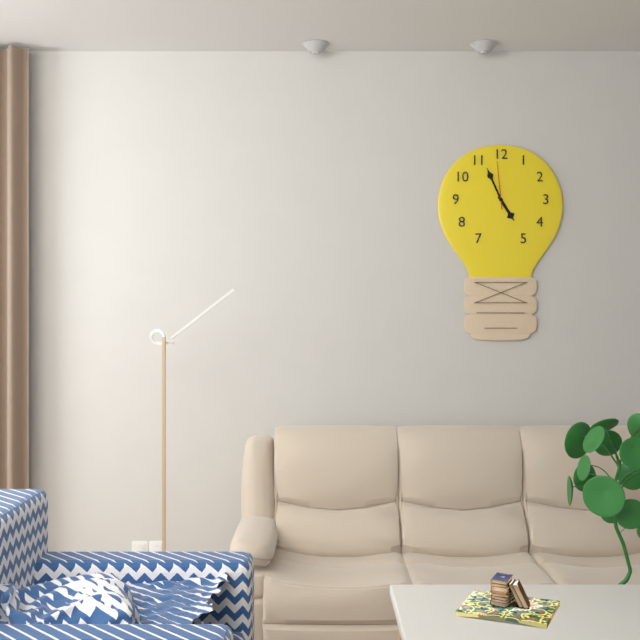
4.56
